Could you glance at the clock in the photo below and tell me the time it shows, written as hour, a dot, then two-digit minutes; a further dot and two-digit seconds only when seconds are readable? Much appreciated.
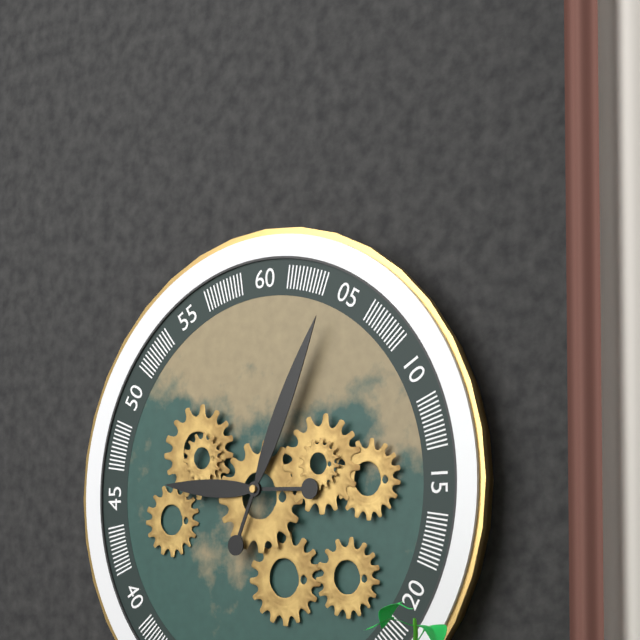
9.04
